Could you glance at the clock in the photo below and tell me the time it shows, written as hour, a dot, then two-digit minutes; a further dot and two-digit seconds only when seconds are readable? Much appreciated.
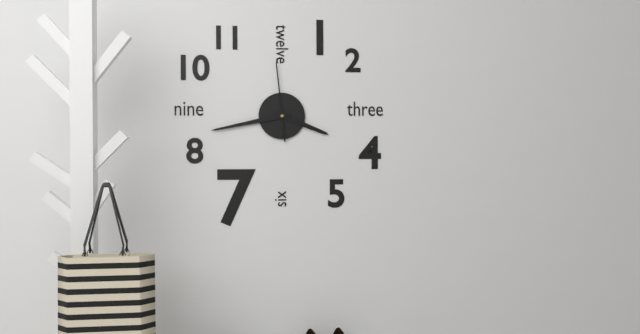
3.43.59
